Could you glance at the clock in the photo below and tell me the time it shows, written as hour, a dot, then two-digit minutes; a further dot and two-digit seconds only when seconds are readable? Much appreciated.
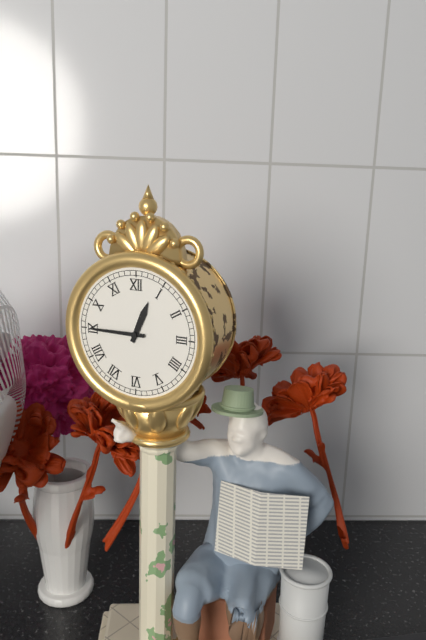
12.45
